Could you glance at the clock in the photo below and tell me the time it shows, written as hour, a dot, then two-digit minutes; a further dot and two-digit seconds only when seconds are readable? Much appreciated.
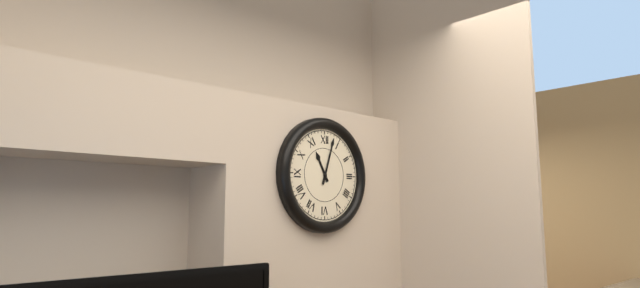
11.03
